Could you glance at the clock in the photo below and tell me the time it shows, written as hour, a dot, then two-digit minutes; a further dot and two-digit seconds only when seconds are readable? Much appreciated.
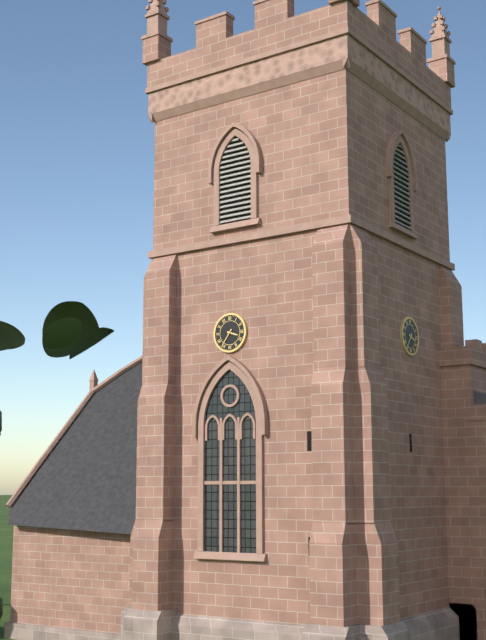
3.36
